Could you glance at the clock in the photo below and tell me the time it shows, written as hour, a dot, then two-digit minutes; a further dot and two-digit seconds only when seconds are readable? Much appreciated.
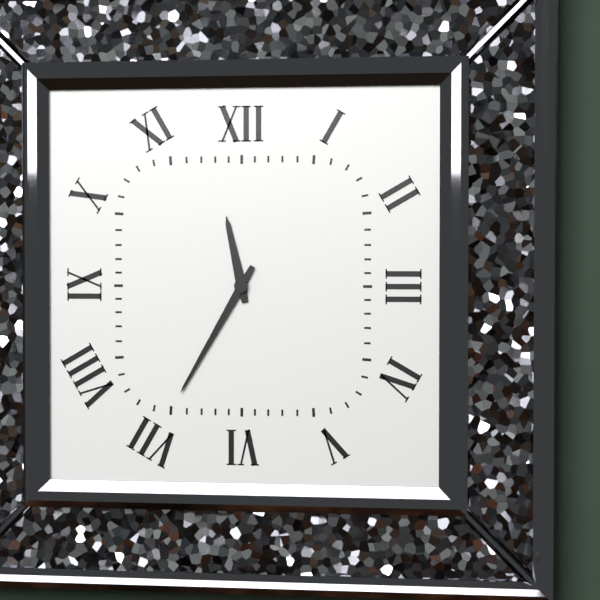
11.35
